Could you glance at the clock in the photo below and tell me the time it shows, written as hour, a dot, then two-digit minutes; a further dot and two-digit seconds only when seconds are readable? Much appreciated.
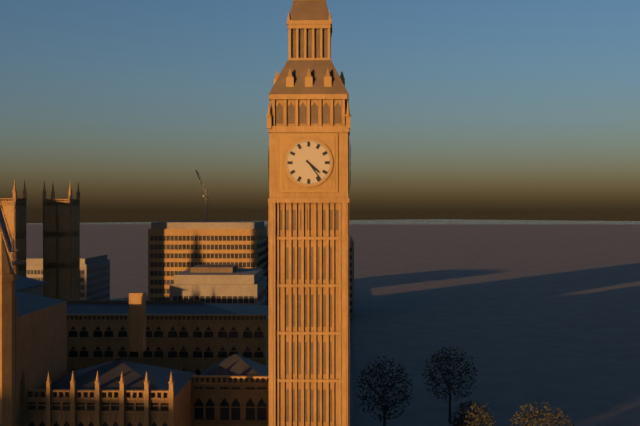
4.24
